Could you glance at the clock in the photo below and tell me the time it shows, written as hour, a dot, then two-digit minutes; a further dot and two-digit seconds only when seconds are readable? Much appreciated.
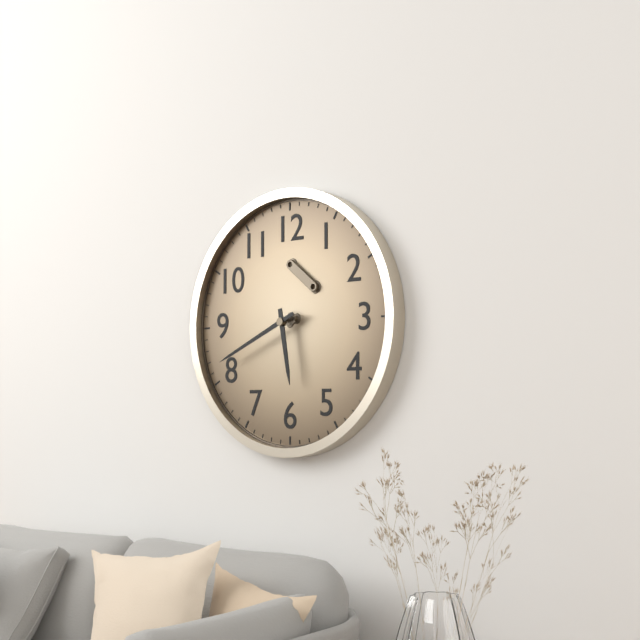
5.41
